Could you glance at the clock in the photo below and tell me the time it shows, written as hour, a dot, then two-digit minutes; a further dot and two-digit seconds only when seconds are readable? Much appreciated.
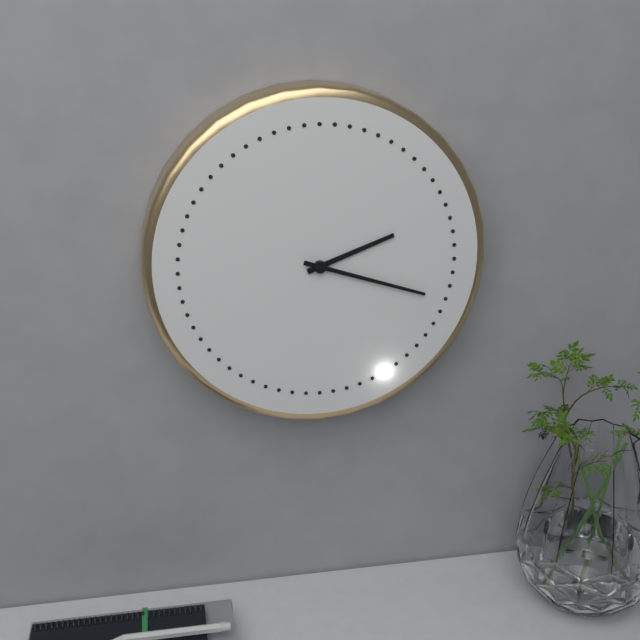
2.18
